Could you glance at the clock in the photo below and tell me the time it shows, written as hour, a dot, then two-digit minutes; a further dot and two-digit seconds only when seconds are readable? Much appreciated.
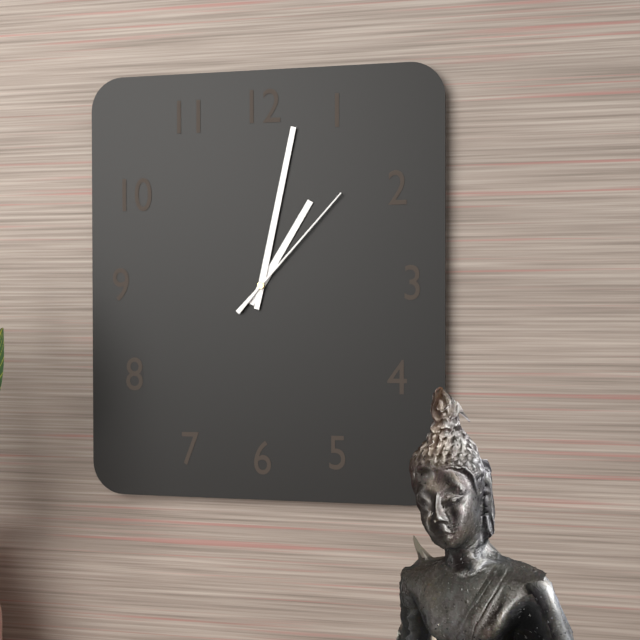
1.02.07
